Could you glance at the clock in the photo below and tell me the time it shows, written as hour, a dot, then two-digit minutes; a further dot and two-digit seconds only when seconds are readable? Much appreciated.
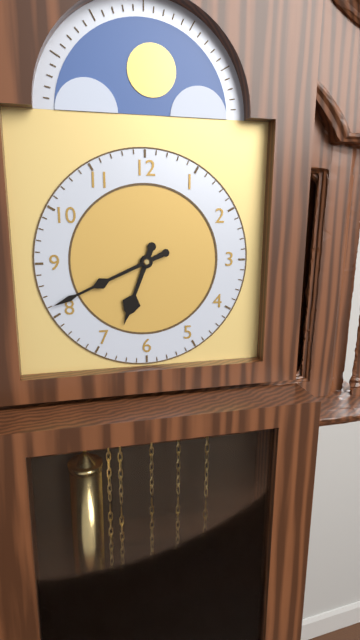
6.41
